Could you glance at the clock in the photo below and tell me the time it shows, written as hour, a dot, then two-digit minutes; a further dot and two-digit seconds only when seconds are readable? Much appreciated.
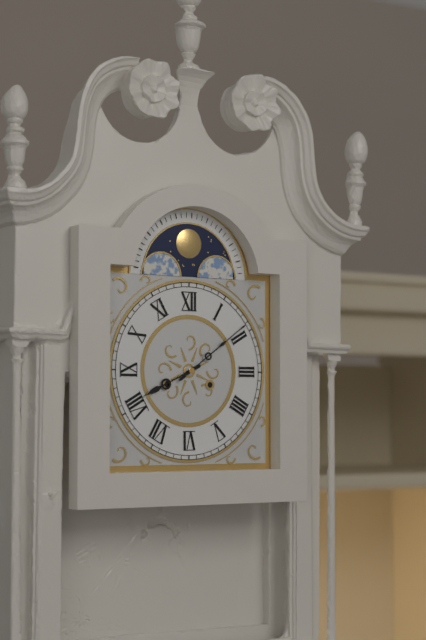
8.09
